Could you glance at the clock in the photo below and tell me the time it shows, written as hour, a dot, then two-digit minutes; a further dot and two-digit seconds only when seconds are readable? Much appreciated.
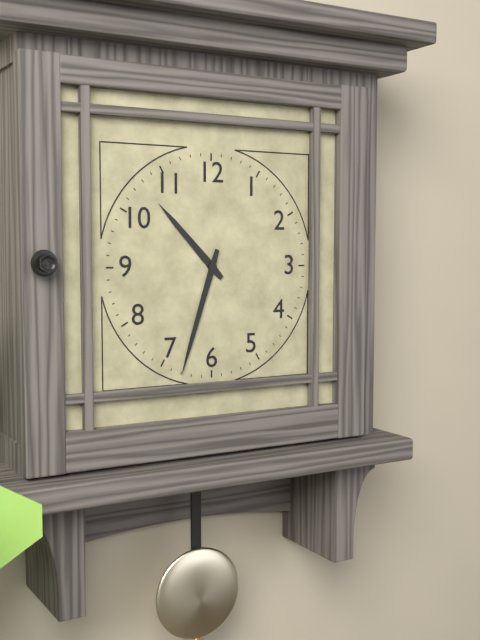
10.33
